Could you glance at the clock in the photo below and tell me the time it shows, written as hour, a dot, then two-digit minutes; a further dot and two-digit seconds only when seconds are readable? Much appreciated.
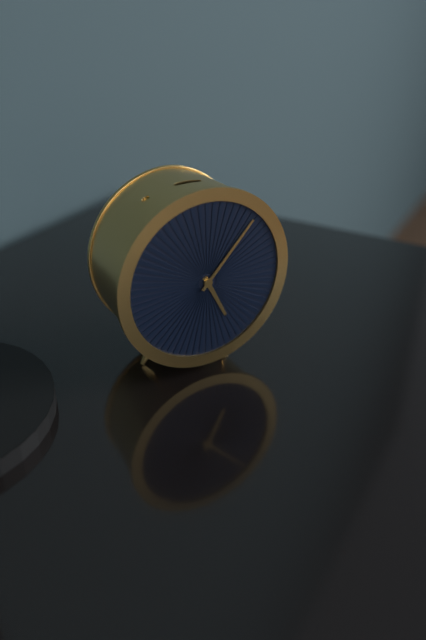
5.07
